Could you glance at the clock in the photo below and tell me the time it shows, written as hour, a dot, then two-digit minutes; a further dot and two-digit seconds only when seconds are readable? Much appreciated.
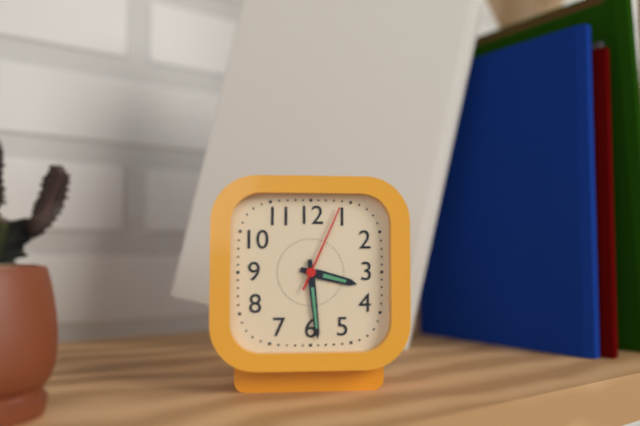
3.29.04
